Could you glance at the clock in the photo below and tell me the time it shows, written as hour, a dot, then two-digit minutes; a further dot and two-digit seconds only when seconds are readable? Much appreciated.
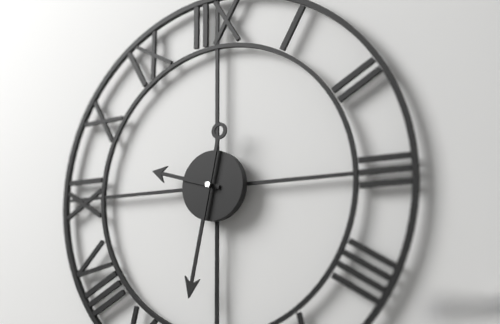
9.32
